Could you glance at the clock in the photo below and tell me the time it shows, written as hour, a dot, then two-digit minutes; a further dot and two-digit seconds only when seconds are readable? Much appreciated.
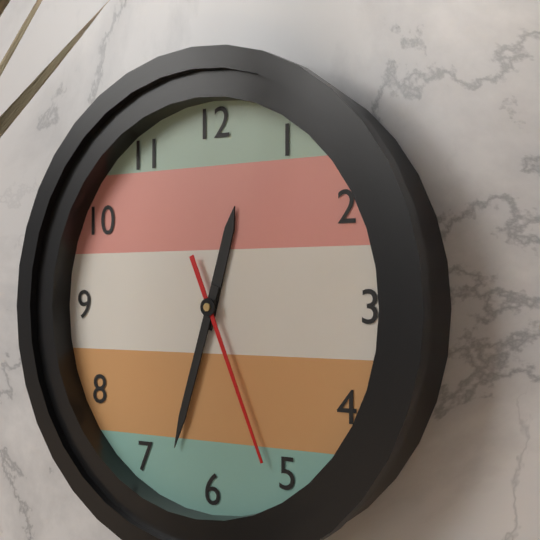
12.33.26
